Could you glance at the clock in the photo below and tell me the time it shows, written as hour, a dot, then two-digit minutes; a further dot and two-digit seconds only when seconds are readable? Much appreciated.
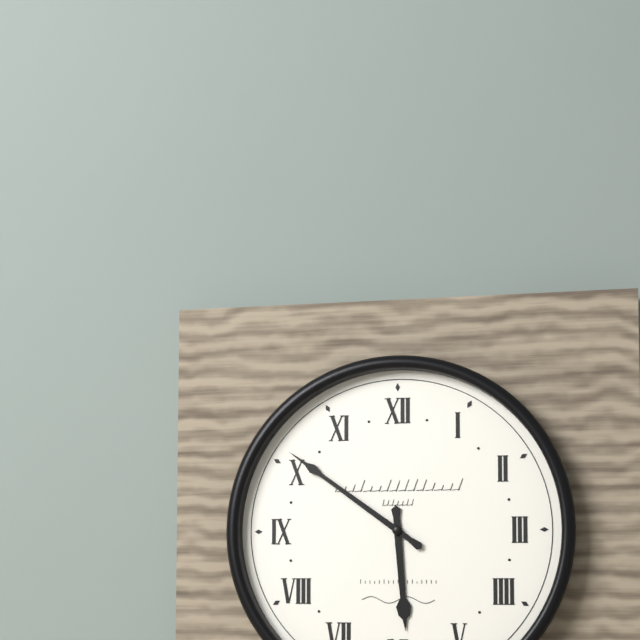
5.51
